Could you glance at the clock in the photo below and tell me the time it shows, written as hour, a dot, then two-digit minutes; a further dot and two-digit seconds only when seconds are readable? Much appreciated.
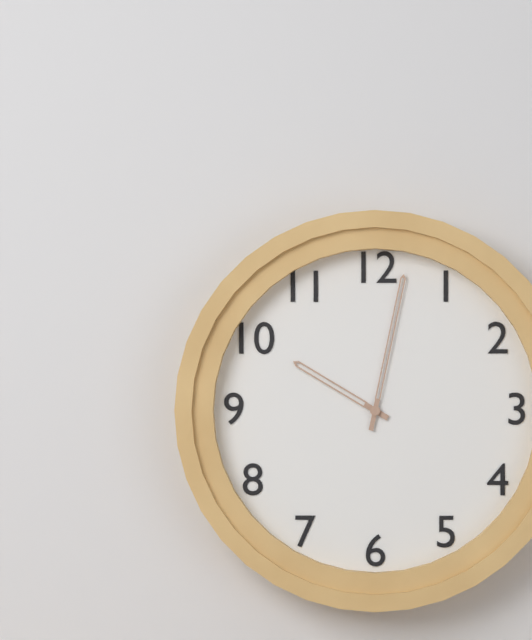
10.02
